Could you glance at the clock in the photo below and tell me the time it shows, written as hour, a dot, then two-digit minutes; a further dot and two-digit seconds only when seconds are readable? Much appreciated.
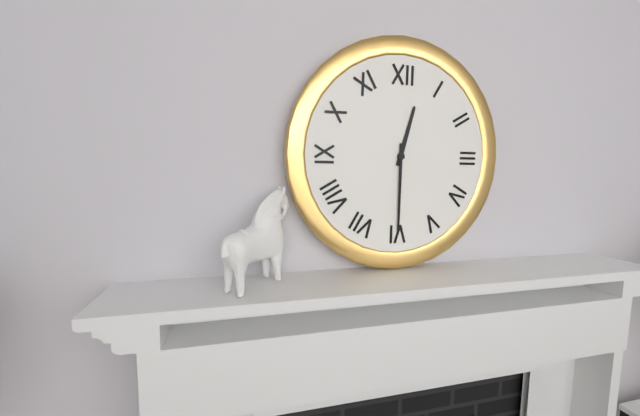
12.30
